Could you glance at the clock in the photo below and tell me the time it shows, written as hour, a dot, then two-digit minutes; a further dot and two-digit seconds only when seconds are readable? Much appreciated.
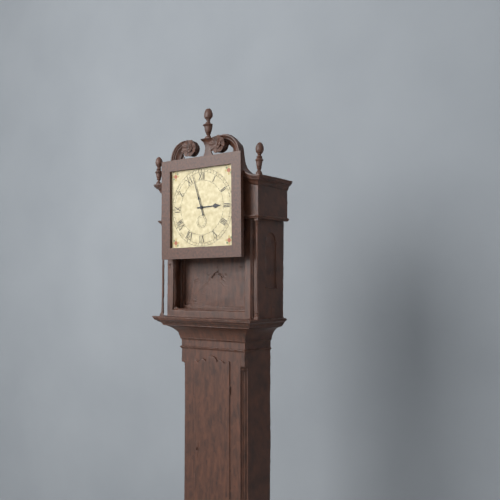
2.57
